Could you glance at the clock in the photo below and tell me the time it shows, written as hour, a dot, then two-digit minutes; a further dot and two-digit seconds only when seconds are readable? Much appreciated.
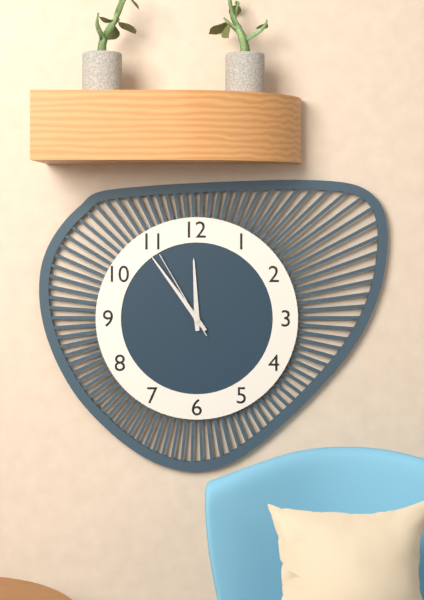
11.54.55
